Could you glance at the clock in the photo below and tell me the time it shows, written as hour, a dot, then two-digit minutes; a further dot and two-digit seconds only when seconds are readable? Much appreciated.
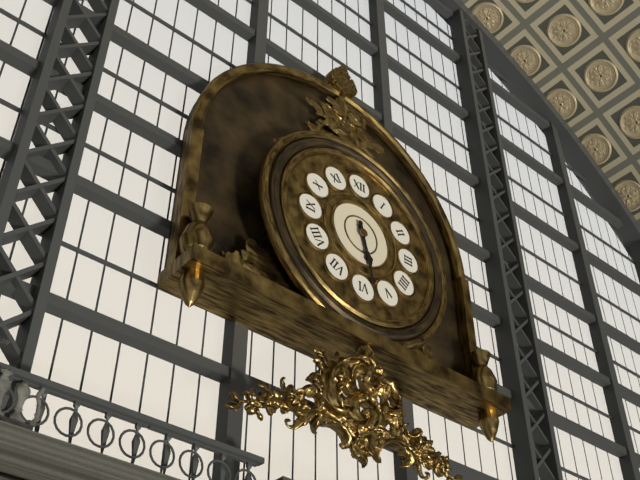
5.28
